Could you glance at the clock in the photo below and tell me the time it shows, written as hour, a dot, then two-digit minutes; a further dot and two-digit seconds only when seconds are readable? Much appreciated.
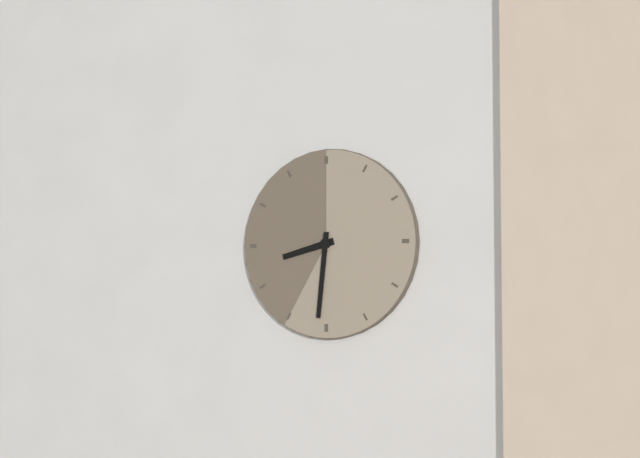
8.31
